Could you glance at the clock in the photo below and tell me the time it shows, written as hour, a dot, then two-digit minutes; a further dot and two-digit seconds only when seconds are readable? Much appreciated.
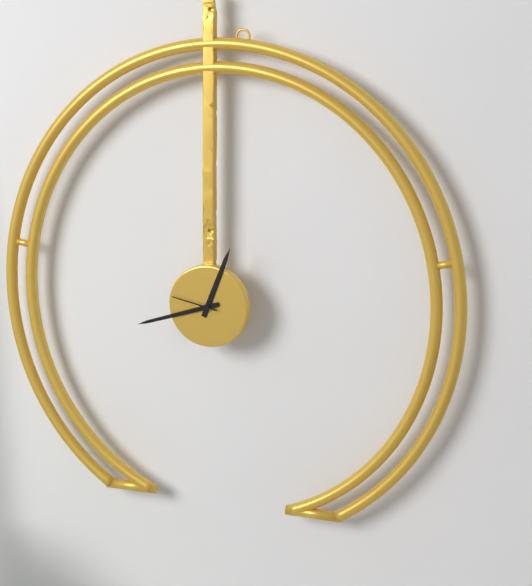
12.42
